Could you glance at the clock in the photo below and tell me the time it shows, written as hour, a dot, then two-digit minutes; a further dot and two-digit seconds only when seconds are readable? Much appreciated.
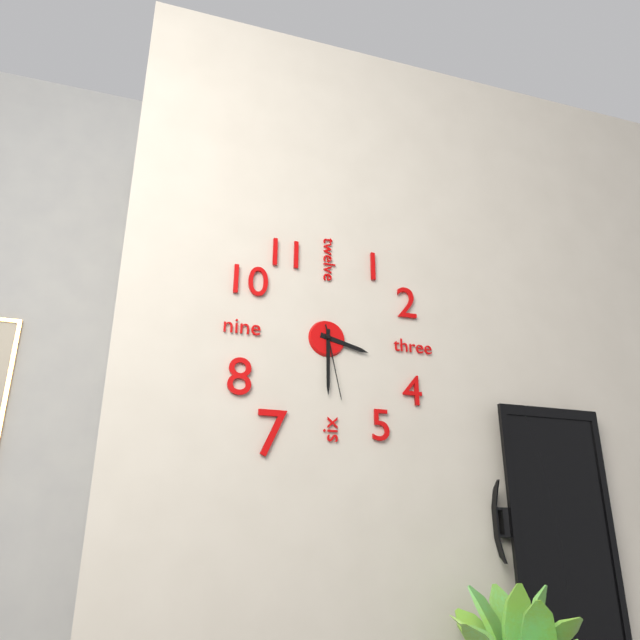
3.30.28
